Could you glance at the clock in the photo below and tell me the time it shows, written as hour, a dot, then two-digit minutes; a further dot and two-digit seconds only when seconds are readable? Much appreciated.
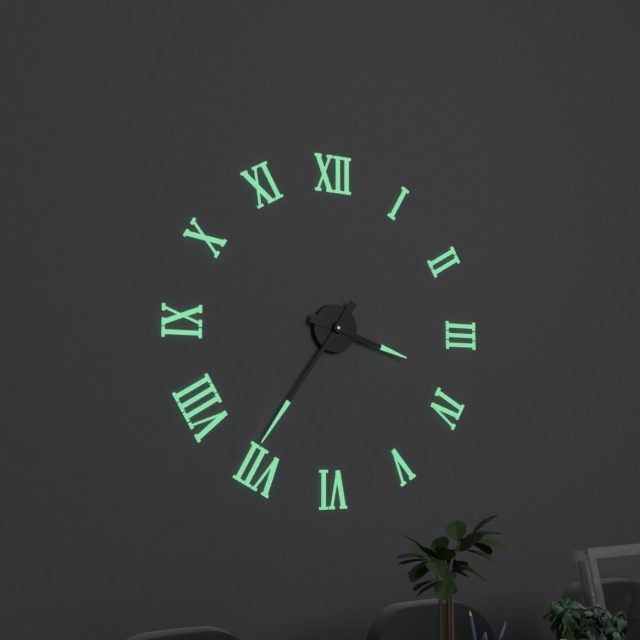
3.36
